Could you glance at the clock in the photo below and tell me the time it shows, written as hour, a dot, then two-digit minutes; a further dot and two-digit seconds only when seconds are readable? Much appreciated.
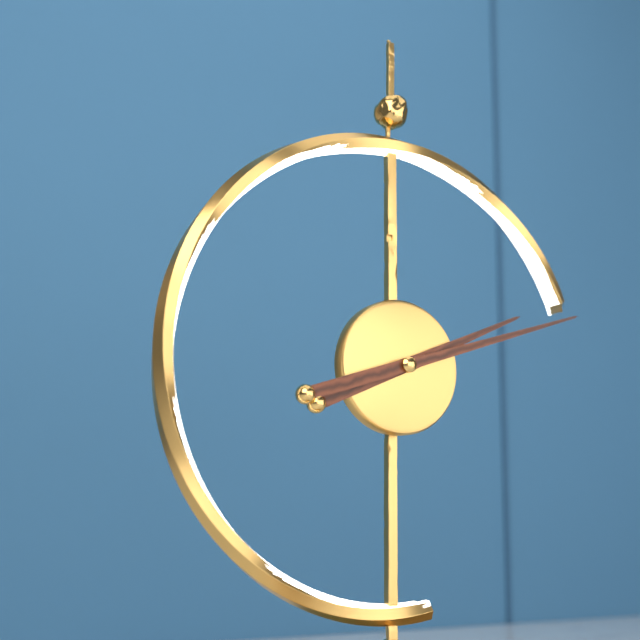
2.12
